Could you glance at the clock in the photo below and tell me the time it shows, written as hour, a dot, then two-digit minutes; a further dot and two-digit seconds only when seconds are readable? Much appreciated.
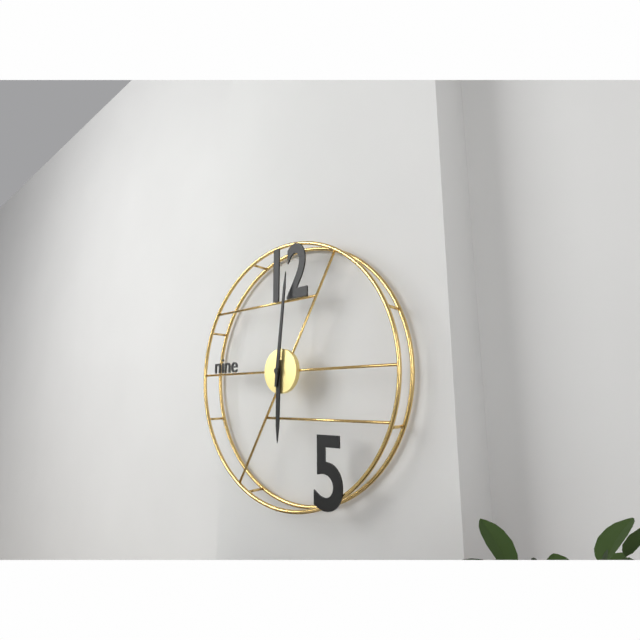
6.01
